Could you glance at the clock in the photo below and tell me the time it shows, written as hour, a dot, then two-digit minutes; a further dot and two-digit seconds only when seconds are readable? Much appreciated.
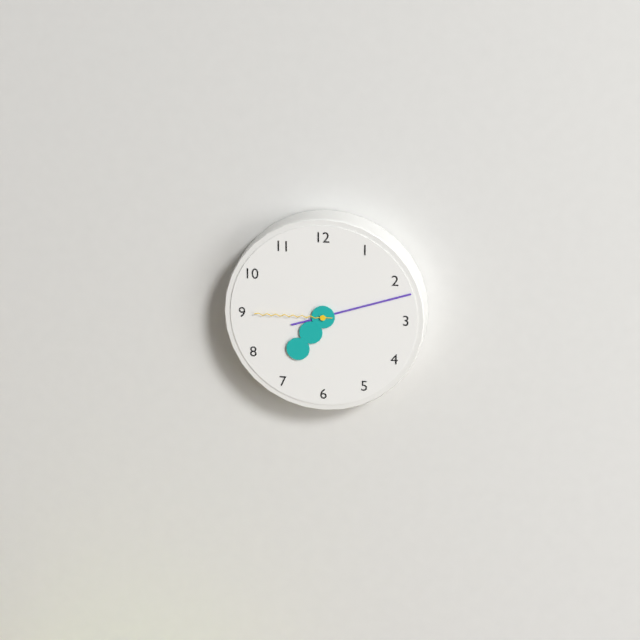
7.12.45
